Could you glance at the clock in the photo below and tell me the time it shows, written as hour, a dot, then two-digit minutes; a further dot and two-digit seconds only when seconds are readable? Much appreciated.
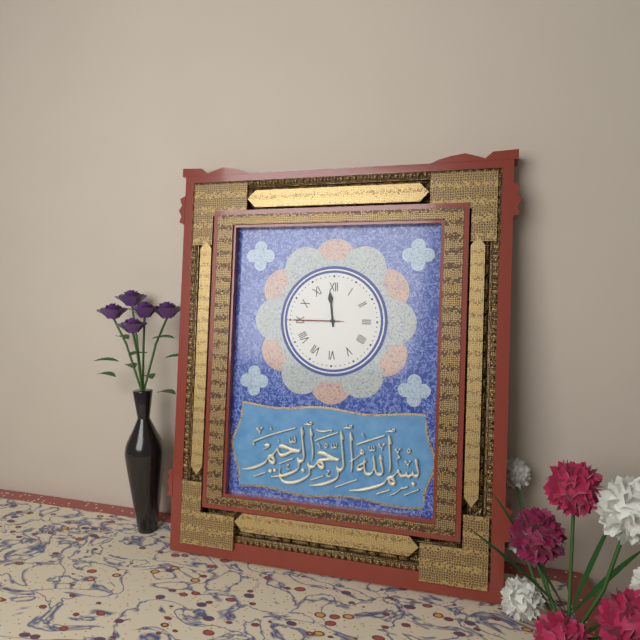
11.45.45
